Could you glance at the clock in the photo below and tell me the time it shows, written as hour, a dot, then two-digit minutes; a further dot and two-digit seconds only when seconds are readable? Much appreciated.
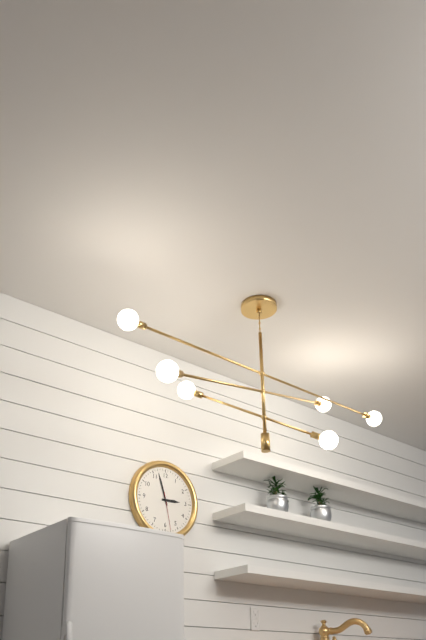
2.57
